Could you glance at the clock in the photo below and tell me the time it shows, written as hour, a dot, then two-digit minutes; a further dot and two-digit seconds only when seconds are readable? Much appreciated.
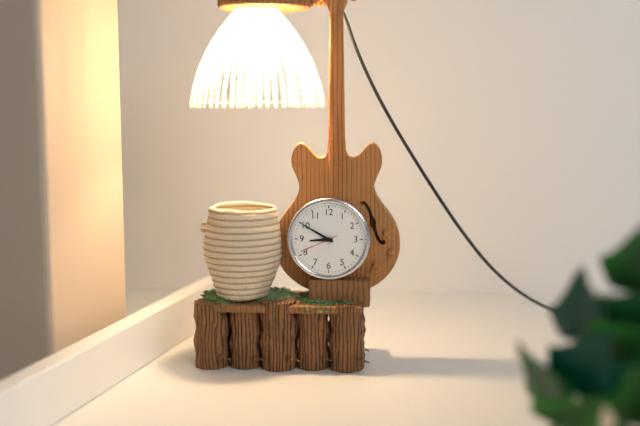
8.50
